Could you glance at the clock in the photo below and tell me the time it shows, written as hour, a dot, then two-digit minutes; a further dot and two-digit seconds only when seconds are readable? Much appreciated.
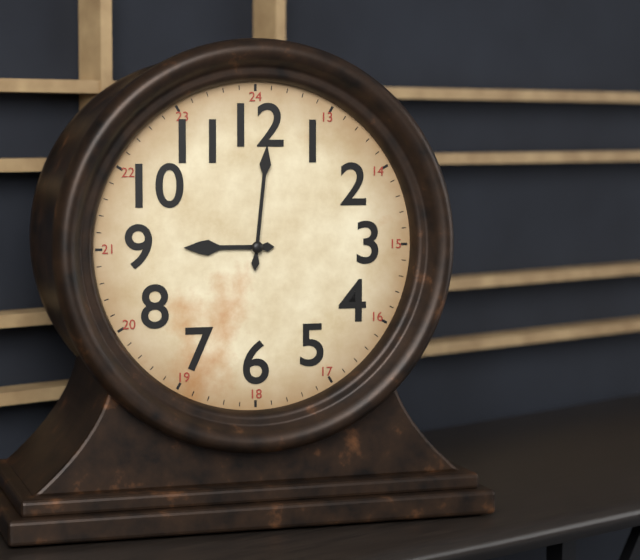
9.01
